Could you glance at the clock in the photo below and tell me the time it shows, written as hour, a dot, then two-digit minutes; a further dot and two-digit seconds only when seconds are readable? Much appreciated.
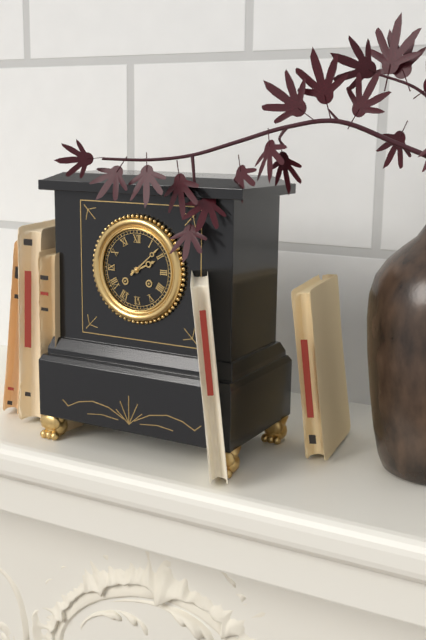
2.08
